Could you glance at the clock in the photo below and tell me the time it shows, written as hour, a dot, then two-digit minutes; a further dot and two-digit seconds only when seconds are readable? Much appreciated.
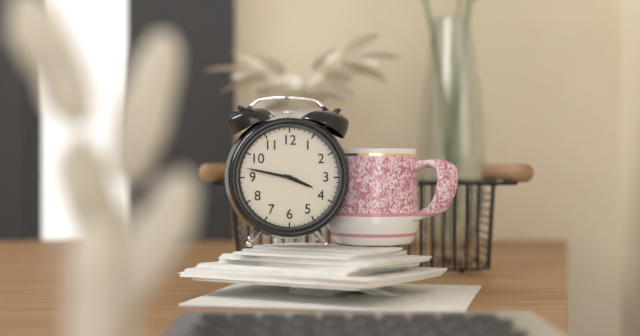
3.47
